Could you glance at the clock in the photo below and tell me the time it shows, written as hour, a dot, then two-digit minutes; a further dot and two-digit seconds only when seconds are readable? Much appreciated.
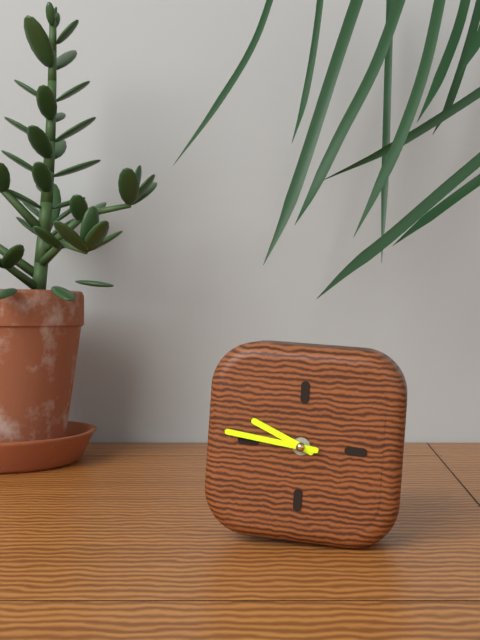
9.46
